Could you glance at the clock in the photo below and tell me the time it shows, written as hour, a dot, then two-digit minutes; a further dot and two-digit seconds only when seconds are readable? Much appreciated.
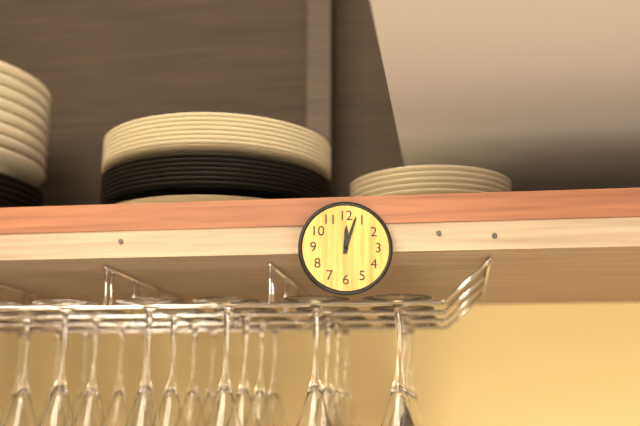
12.03
